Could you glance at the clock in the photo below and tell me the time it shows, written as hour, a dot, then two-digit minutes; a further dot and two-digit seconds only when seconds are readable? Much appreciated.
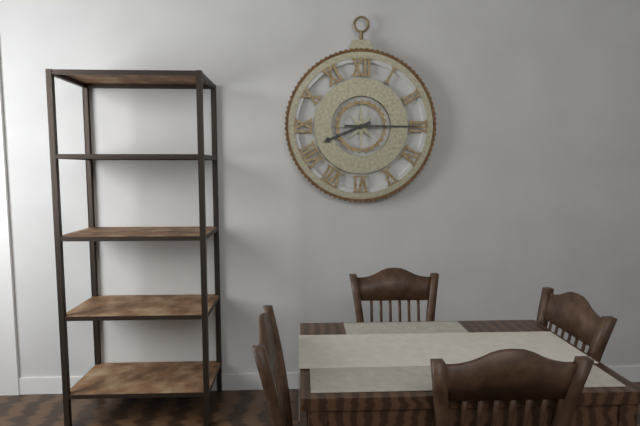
8.15
